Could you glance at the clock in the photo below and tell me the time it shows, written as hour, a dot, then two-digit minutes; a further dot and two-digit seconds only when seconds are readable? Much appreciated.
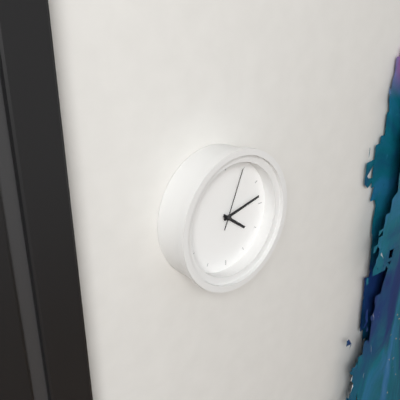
4.13.04
